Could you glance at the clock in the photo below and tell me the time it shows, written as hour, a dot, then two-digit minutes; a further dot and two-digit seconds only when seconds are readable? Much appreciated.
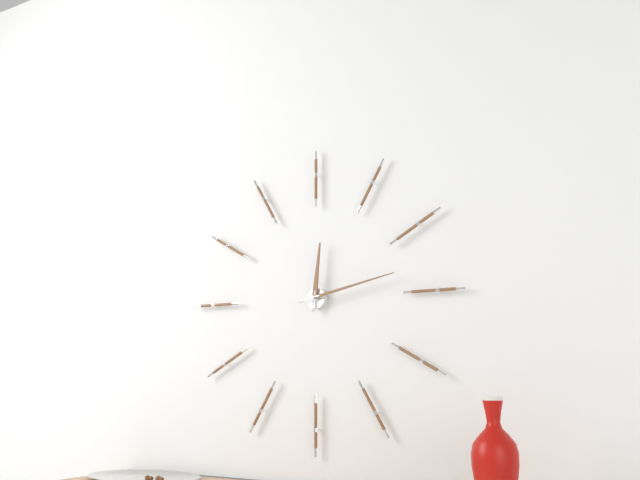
12.13
